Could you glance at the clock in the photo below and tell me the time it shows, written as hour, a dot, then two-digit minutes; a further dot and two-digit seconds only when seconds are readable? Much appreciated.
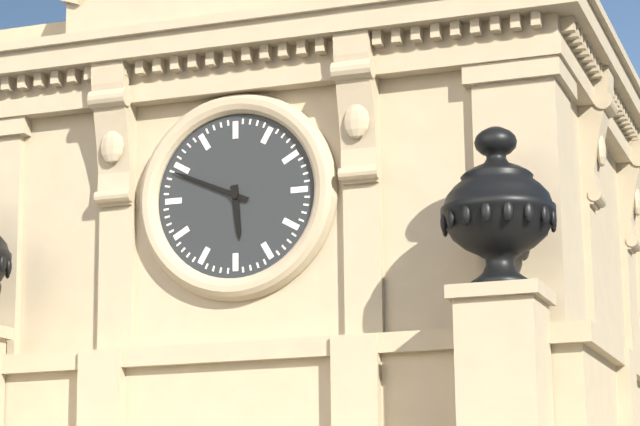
5.49
